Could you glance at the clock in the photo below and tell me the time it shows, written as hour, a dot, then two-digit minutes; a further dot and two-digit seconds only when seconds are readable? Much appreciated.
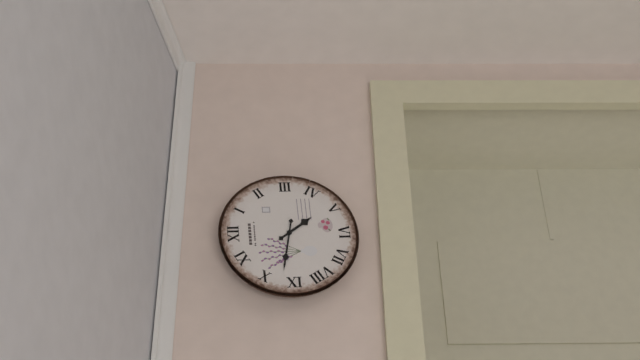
4.47
